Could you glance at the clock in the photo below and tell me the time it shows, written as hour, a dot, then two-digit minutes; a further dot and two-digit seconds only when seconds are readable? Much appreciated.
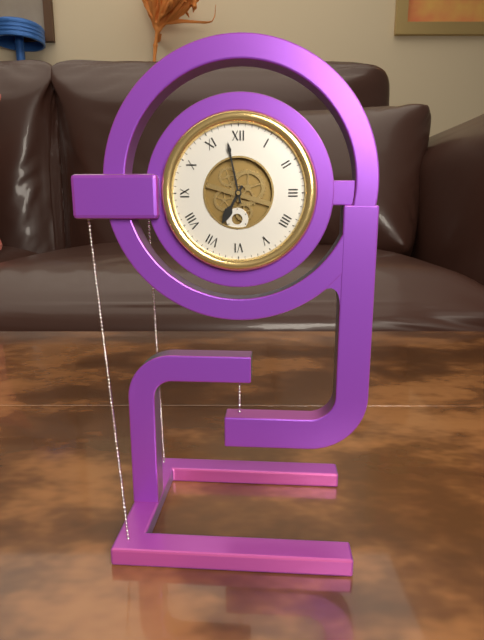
6.58
